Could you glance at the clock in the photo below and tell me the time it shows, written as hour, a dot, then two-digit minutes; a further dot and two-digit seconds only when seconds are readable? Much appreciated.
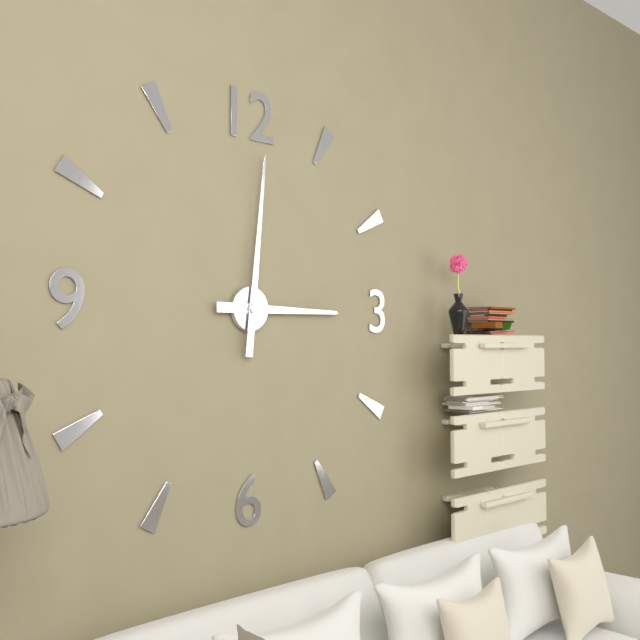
3.01
